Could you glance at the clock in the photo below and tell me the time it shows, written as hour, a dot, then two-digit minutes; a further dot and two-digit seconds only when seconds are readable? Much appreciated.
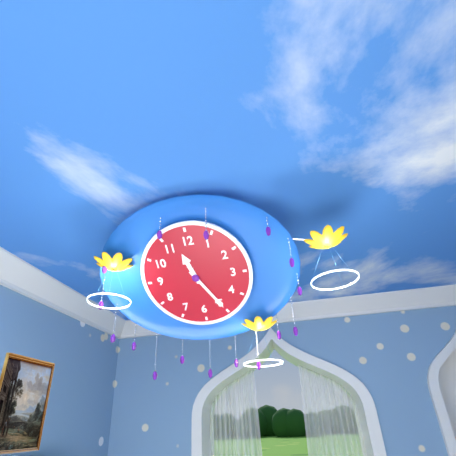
11.25
